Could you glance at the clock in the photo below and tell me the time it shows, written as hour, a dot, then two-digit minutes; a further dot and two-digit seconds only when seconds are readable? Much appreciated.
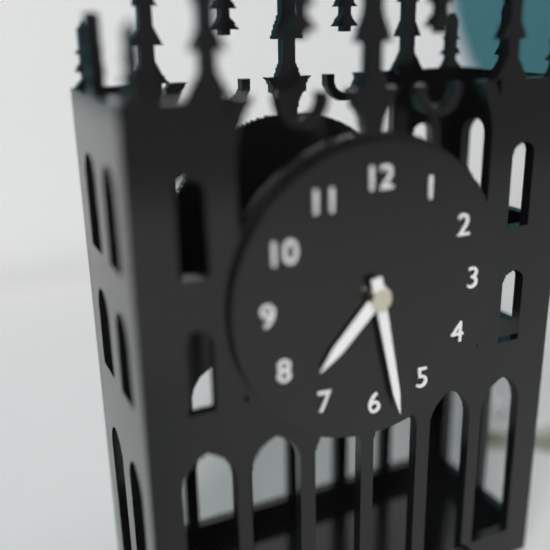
7.28
